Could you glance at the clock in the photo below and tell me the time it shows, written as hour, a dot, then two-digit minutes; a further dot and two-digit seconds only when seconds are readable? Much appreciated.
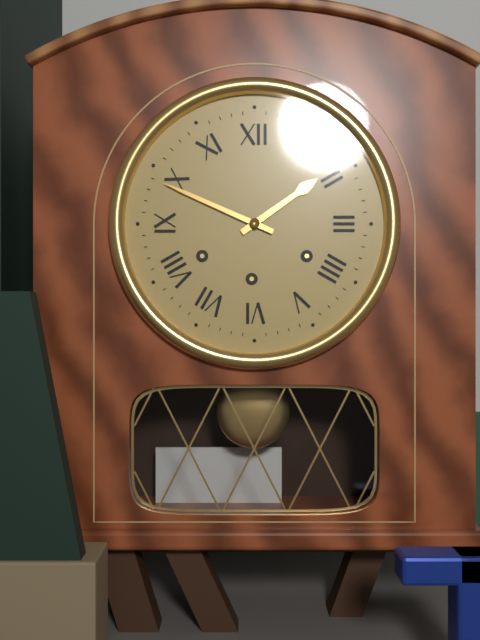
1.49
